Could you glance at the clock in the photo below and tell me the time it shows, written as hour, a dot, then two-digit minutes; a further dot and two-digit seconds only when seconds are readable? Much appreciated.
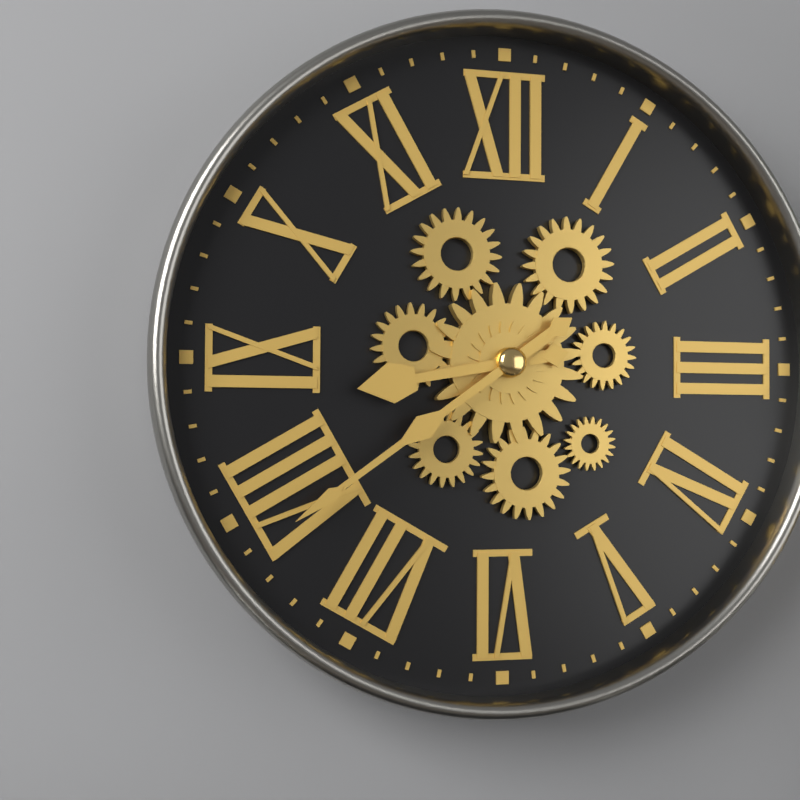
8.39
